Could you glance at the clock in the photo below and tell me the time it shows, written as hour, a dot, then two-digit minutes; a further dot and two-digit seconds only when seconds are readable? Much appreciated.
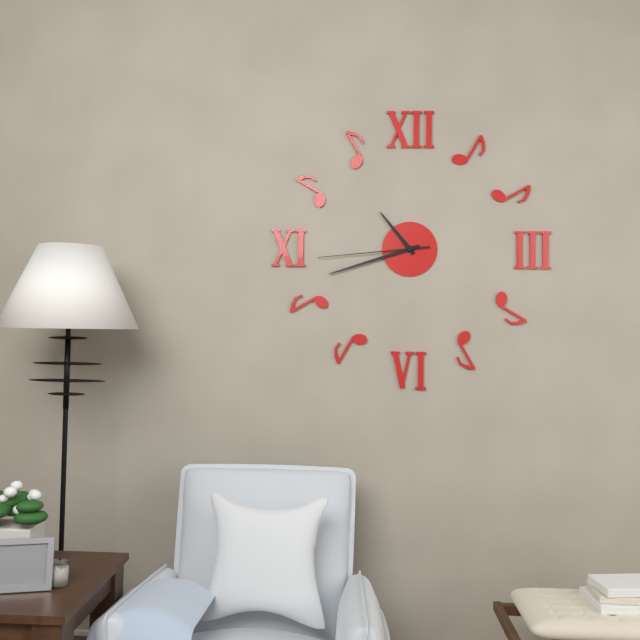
10.42.44
